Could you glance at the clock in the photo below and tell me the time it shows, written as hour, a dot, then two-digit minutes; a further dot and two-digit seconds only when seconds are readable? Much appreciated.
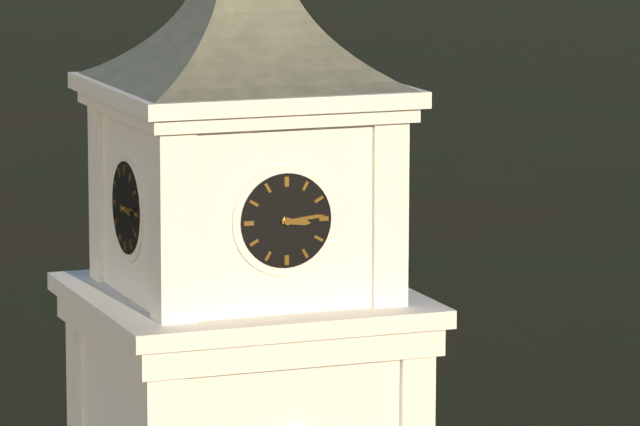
3.14
